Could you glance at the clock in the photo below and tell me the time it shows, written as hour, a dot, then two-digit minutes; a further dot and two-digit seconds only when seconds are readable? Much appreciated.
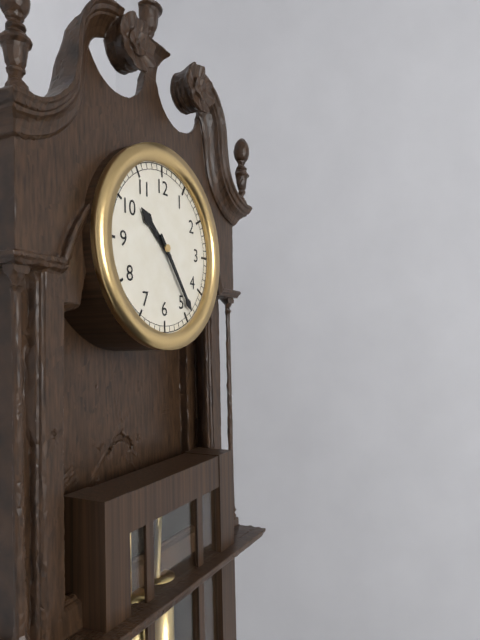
10.24
